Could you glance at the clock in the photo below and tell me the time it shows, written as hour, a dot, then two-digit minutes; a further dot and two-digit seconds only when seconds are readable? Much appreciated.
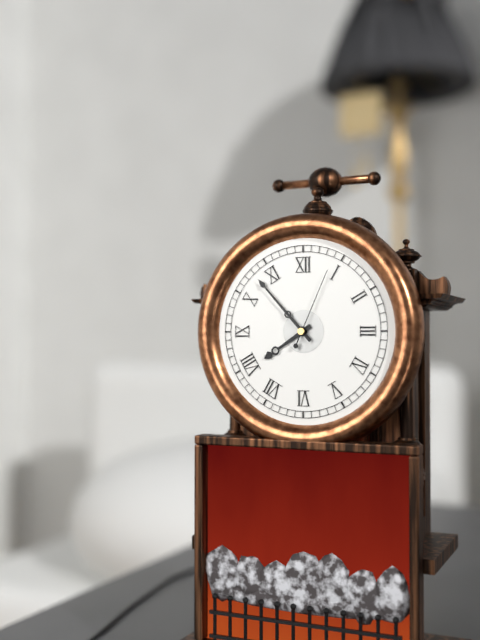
7.53.04
